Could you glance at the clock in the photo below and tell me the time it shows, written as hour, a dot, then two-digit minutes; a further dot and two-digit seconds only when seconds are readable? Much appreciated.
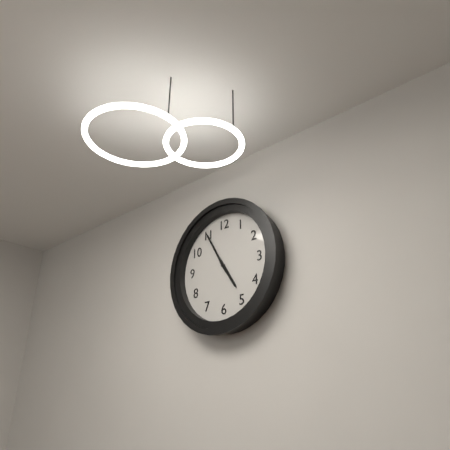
4.55
